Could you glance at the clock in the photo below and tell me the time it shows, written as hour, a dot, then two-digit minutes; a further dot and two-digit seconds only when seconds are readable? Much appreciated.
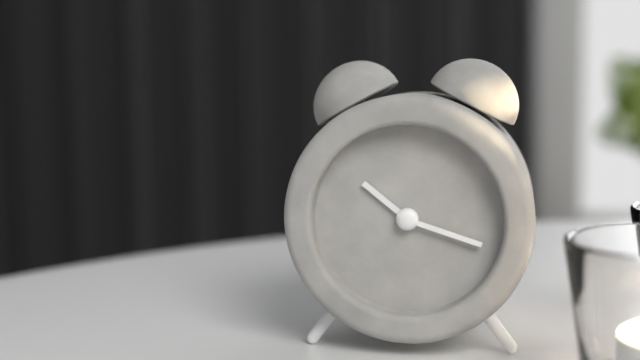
10.18
